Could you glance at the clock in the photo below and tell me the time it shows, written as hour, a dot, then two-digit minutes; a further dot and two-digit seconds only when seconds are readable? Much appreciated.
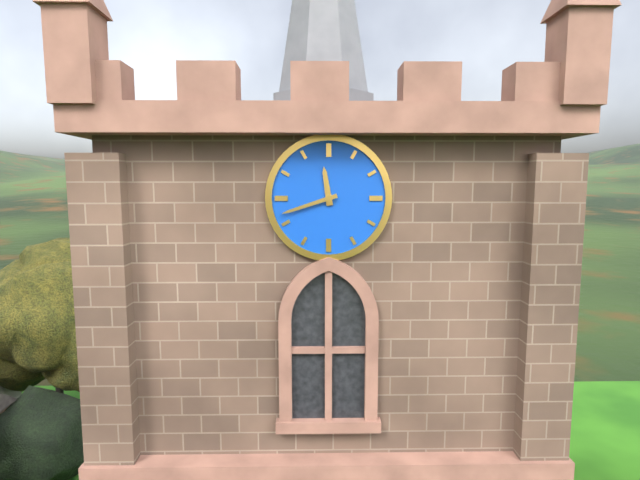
11.42
